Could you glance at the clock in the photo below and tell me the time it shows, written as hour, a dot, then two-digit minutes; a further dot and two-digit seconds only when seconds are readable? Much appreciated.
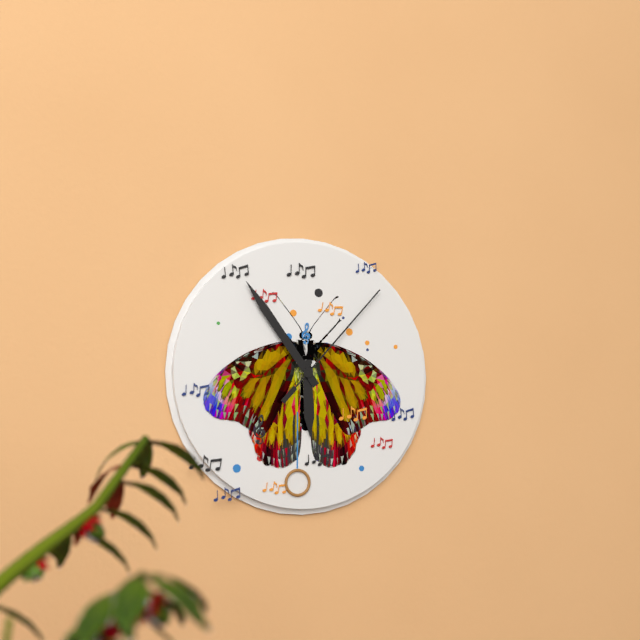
5.54.07
